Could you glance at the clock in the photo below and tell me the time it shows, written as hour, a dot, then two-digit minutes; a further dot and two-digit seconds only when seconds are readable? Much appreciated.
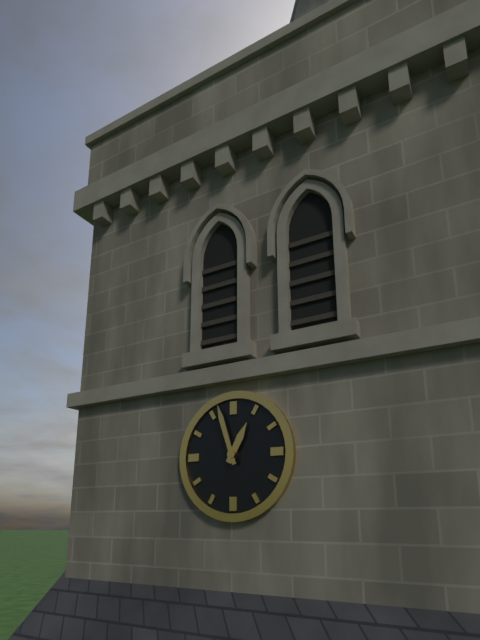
12.57
